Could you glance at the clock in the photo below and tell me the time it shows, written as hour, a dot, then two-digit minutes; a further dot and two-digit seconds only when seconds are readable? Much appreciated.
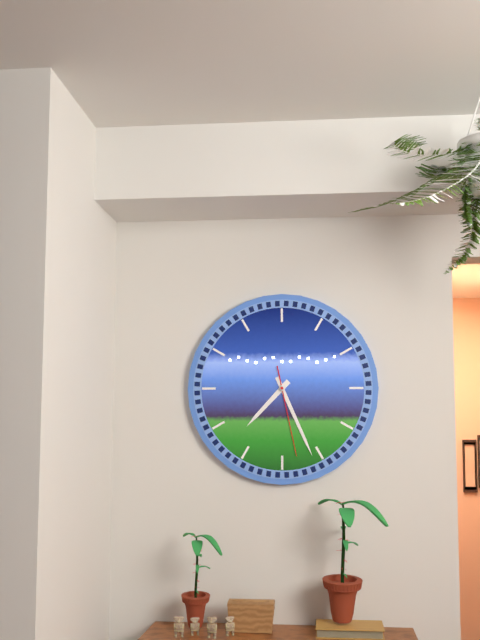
7.26.28
